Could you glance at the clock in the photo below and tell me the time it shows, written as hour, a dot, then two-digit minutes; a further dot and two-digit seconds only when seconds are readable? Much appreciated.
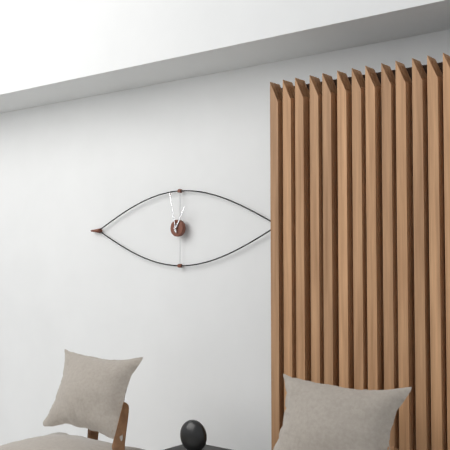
12.58
